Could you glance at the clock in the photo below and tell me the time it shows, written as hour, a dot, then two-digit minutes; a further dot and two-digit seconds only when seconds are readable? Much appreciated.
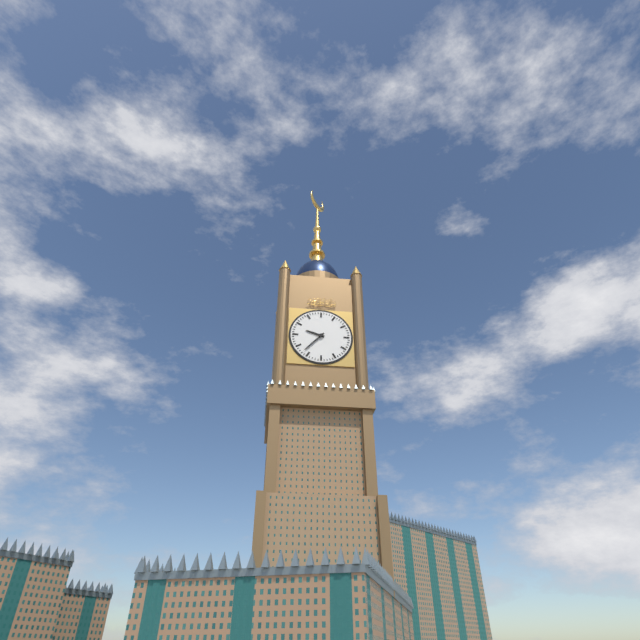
9.37
